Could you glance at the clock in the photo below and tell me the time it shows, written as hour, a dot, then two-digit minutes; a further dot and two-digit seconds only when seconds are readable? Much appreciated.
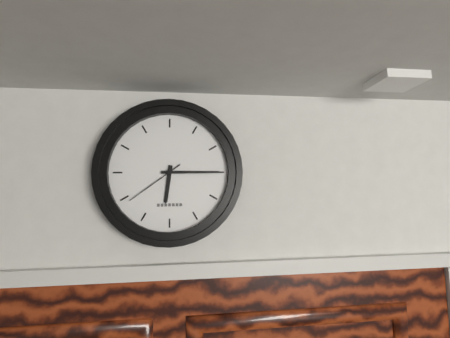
6.15.39
